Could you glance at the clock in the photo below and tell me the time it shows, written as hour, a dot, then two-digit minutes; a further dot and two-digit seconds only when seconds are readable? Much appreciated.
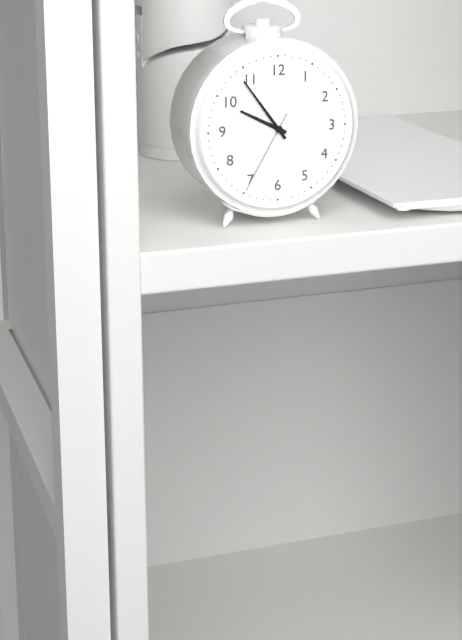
9.54.35
